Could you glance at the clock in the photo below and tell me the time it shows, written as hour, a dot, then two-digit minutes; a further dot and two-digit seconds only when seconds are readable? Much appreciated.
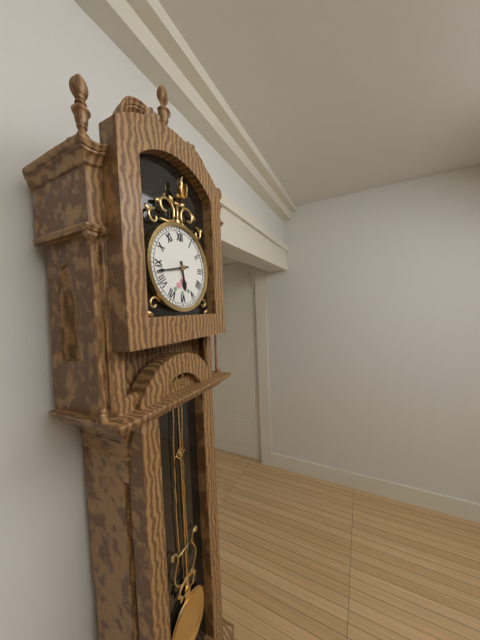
5.43
